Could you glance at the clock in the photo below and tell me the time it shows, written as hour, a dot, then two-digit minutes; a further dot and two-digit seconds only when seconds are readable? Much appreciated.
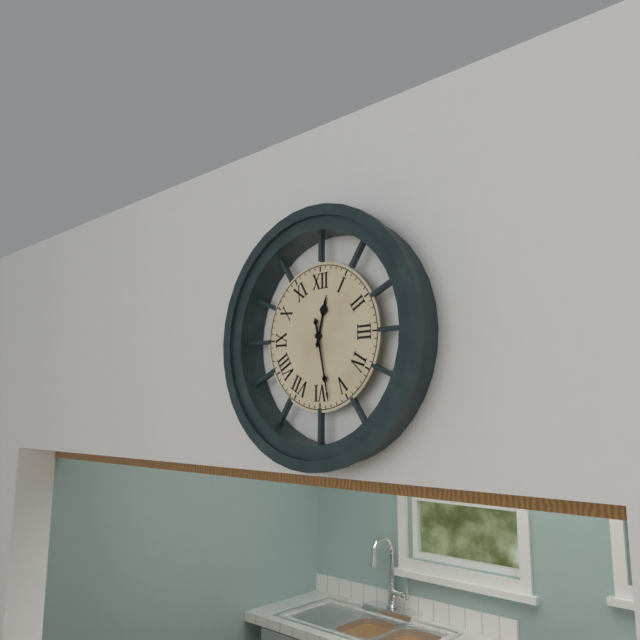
12.28
